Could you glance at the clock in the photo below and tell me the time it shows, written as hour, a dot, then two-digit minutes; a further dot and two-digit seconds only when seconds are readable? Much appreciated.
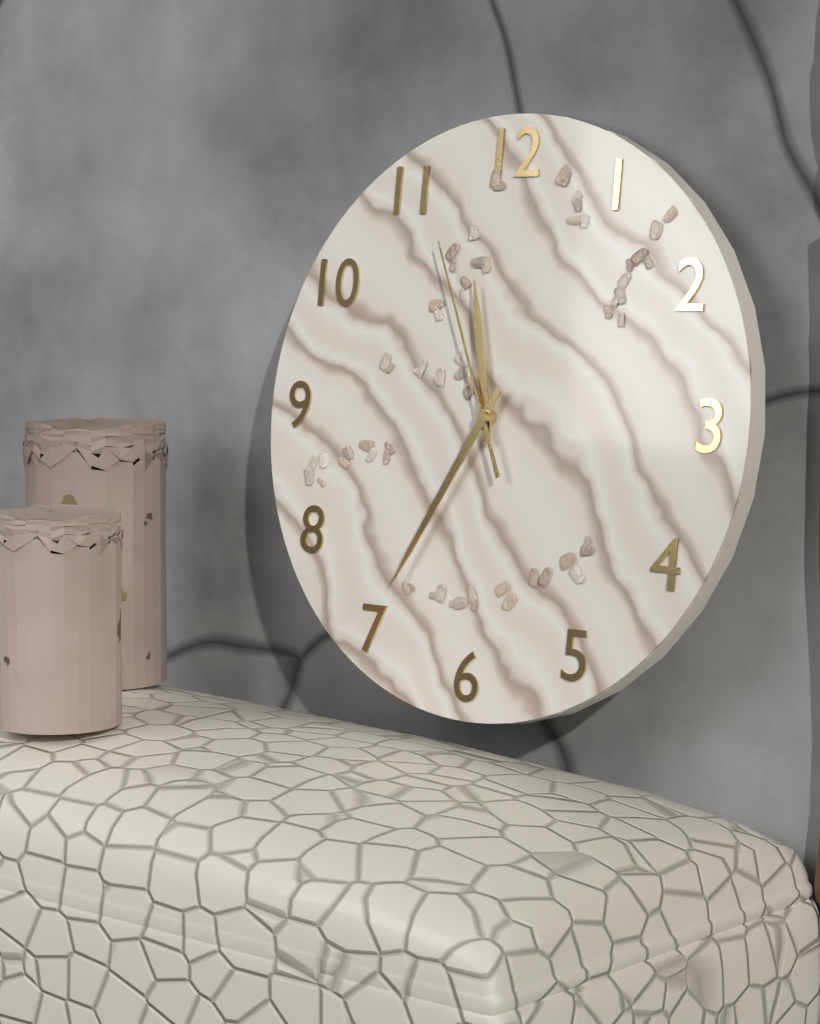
11.35.56
